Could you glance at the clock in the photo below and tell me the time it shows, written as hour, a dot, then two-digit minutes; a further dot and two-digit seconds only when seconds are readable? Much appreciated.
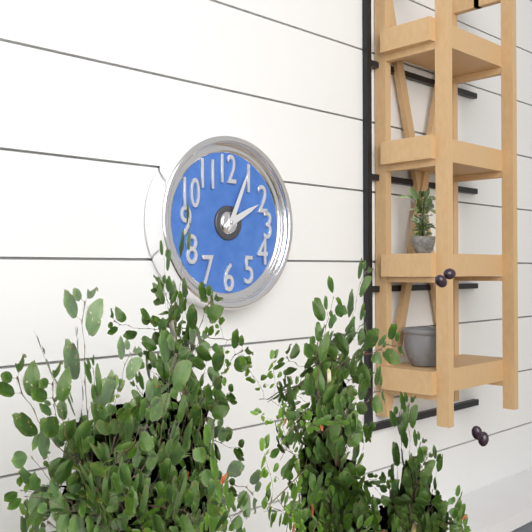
2.04
